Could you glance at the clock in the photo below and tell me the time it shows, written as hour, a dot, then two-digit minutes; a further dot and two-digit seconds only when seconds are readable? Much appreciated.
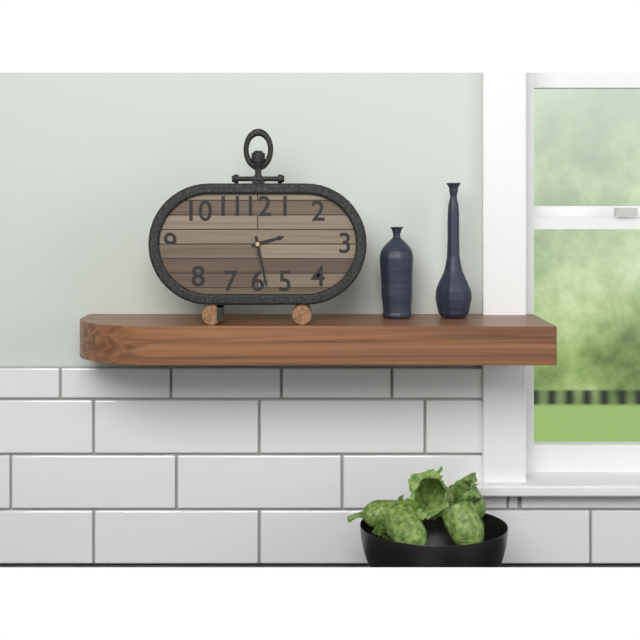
2.28
